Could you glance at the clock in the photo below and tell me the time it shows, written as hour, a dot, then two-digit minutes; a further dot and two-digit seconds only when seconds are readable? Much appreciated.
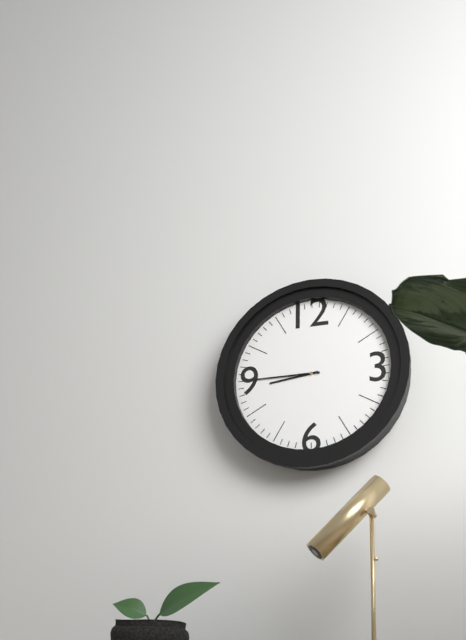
8.45
